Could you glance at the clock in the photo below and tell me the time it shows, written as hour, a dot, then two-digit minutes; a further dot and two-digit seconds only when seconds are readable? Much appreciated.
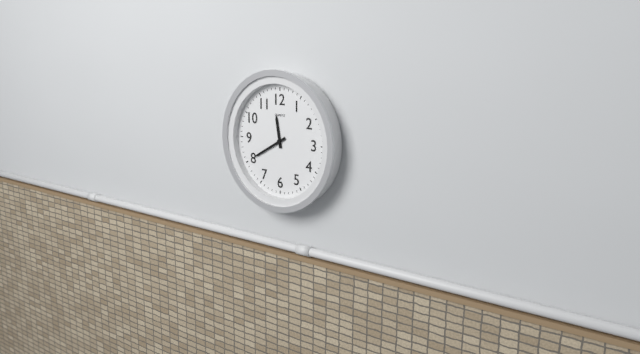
11.40
